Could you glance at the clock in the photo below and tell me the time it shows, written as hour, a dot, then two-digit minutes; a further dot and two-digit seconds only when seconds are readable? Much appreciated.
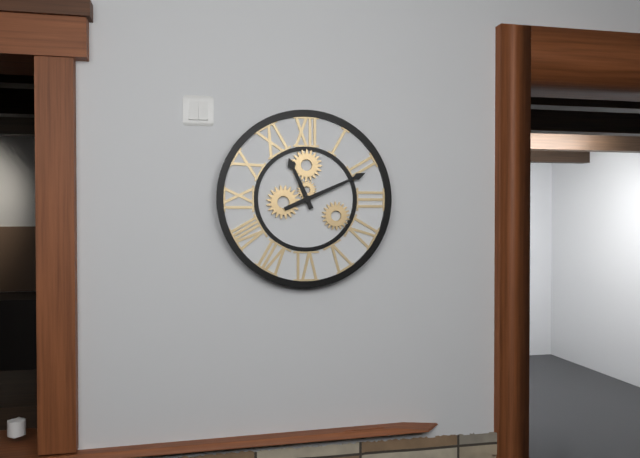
11.11
